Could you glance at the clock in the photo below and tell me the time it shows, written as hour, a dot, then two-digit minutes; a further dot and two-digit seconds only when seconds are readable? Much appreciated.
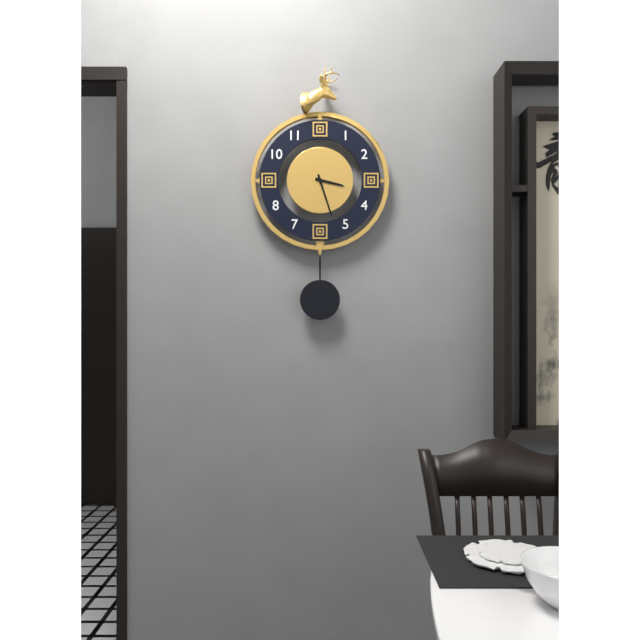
3.27
